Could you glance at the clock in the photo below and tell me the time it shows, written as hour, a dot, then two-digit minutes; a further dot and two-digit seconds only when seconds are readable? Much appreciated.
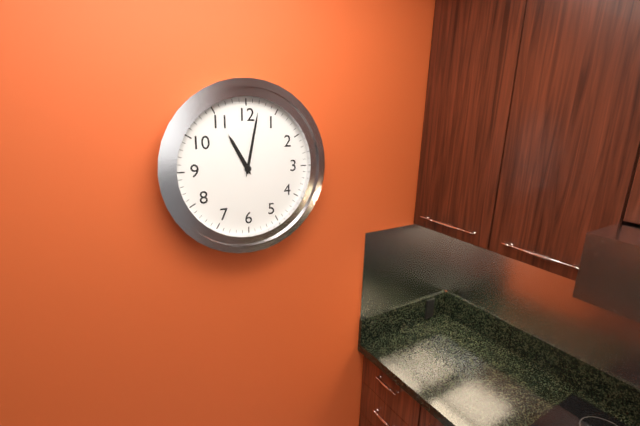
11.02
